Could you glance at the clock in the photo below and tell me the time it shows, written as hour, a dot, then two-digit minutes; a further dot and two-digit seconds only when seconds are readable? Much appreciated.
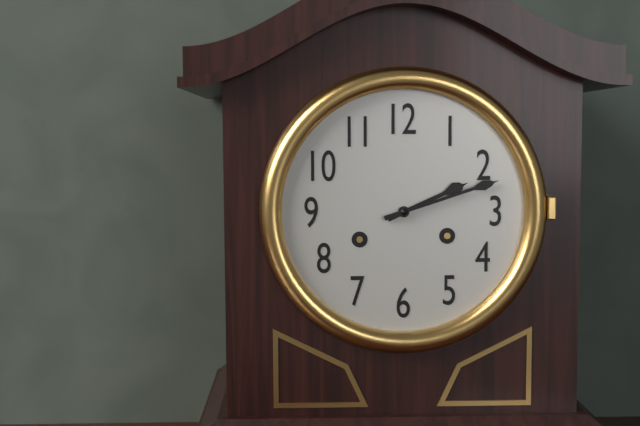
2.12
